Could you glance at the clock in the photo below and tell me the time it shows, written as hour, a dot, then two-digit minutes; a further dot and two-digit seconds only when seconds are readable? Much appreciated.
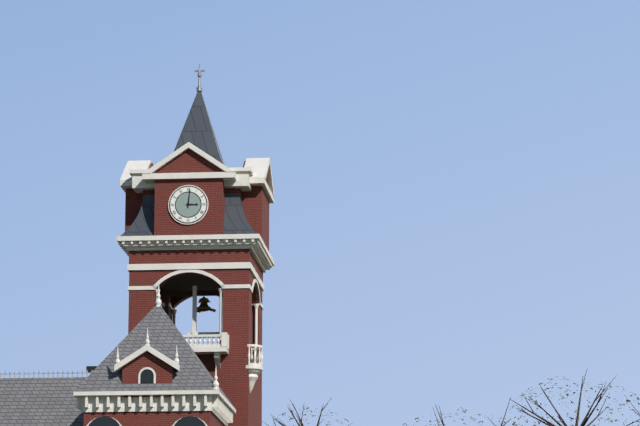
3.01
